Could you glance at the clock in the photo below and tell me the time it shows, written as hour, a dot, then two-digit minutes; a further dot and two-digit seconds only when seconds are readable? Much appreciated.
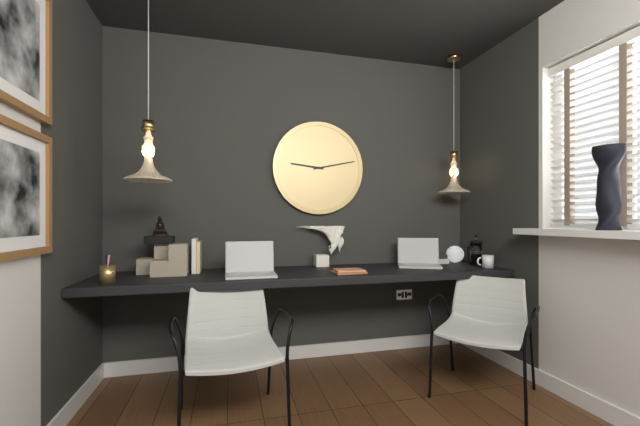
9.13
